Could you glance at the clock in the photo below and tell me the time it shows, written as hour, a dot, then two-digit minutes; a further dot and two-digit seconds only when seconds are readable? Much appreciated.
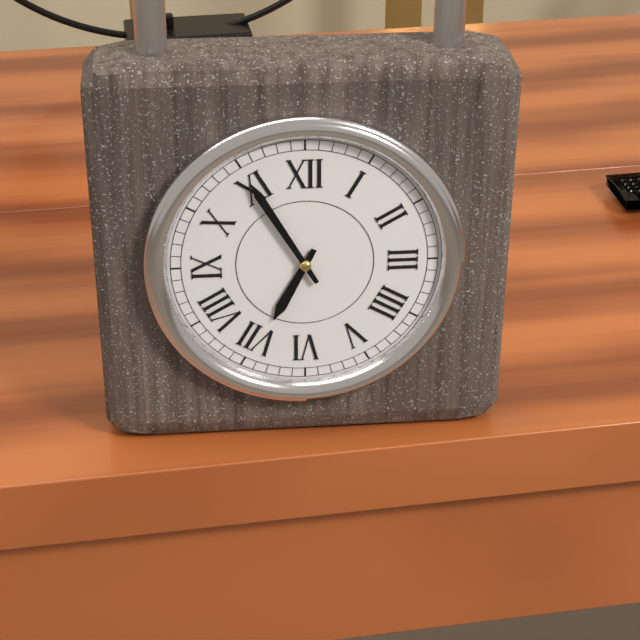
6.55
